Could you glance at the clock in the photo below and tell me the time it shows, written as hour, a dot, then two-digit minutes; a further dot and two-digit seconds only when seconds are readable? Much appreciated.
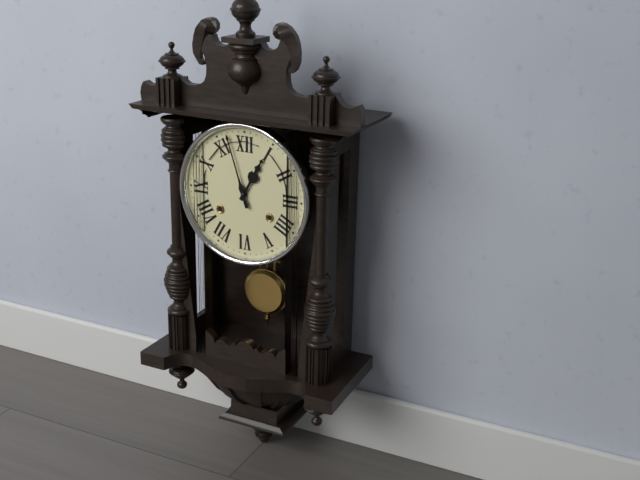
12.57
